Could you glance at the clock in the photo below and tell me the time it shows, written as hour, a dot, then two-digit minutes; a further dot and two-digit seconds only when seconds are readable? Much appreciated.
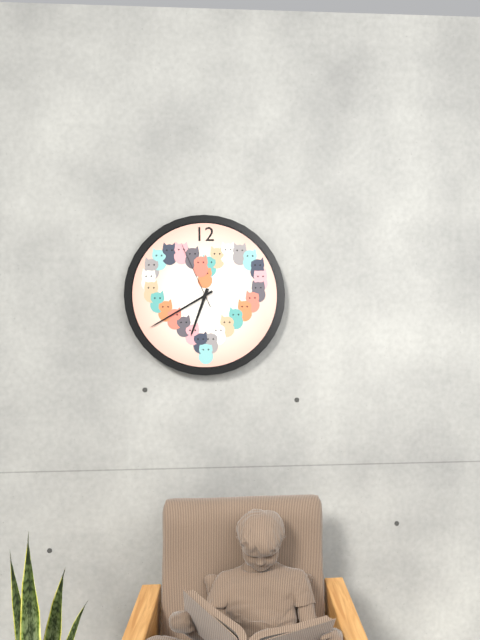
6.40.56
